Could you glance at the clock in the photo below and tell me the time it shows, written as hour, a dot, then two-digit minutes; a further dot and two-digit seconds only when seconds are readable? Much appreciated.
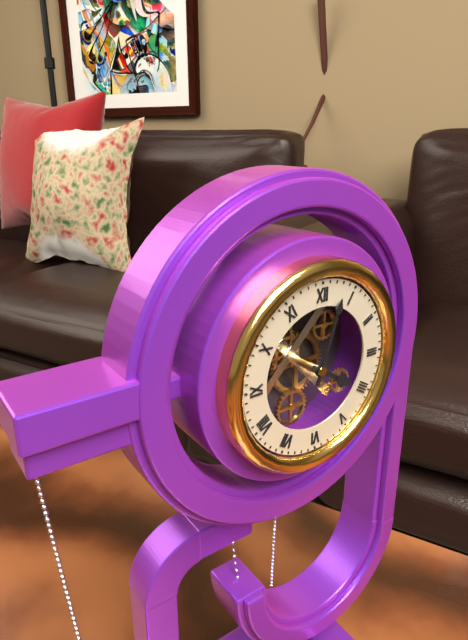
4.03
